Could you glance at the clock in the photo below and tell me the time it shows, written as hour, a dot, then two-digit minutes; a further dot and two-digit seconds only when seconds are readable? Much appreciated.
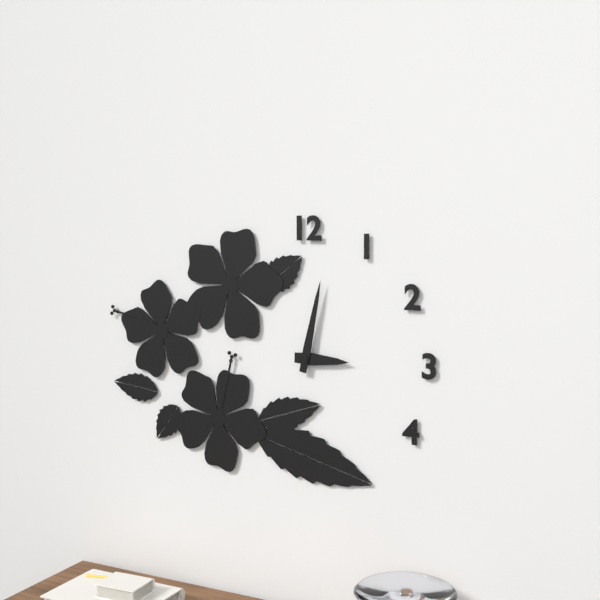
3.02
